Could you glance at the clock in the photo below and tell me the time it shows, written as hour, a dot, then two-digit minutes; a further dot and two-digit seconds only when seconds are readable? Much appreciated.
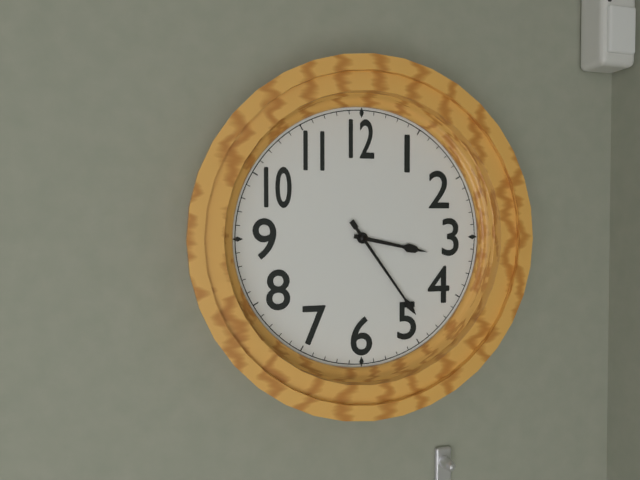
3.24
